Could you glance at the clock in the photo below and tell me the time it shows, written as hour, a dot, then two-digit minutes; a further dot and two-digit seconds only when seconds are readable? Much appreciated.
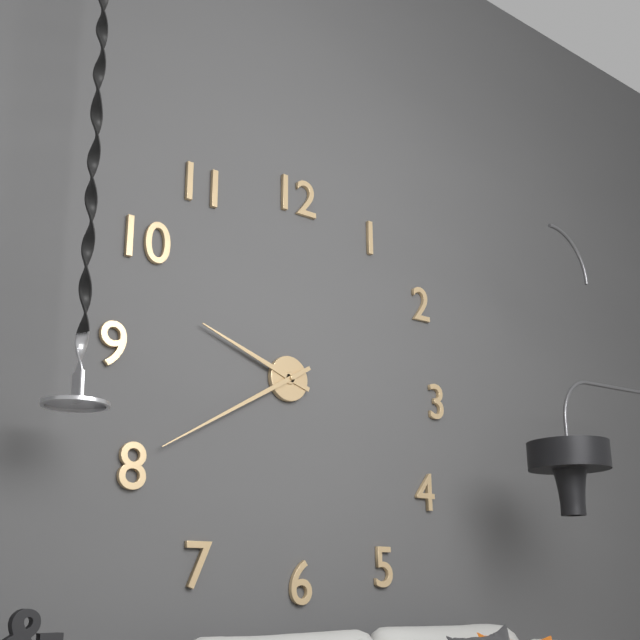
9.40
